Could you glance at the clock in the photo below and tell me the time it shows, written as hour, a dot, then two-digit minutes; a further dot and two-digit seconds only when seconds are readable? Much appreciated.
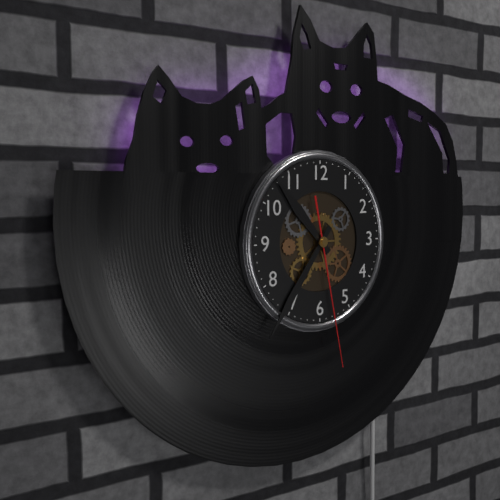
10.36.28
